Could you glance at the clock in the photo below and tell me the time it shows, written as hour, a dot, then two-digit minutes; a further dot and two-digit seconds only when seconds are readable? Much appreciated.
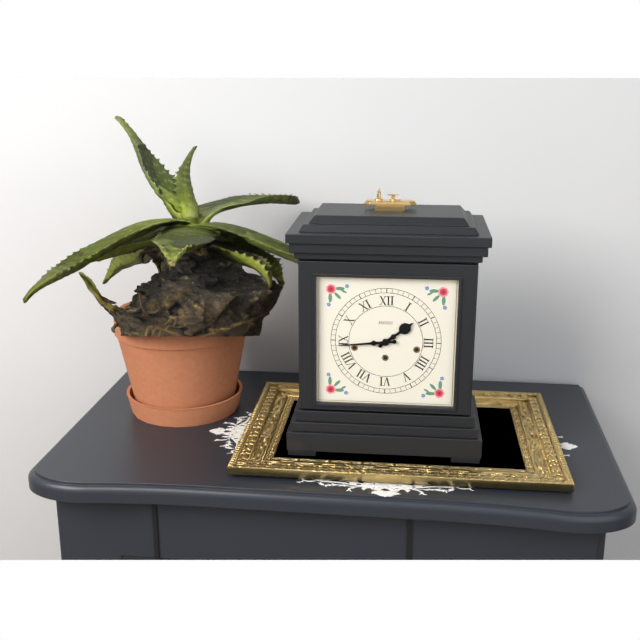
1.44
